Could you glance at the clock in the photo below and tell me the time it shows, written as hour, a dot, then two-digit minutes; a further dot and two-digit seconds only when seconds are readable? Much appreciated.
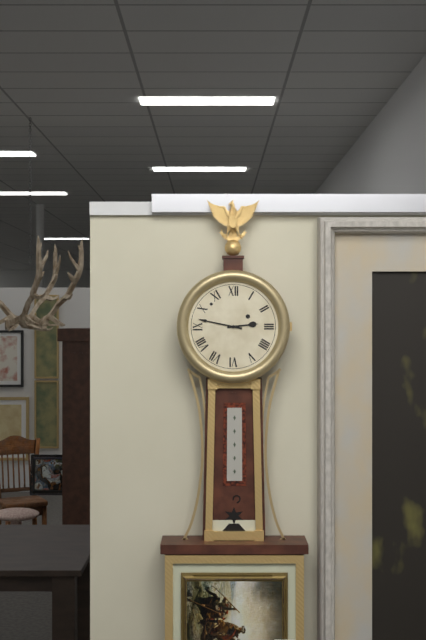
2.47
